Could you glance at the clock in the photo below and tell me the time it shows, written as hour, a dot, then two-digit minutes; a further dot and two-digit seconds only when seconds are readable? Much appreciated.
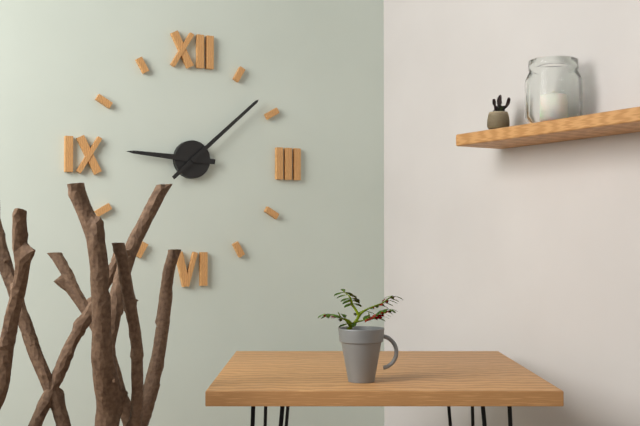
9.08
